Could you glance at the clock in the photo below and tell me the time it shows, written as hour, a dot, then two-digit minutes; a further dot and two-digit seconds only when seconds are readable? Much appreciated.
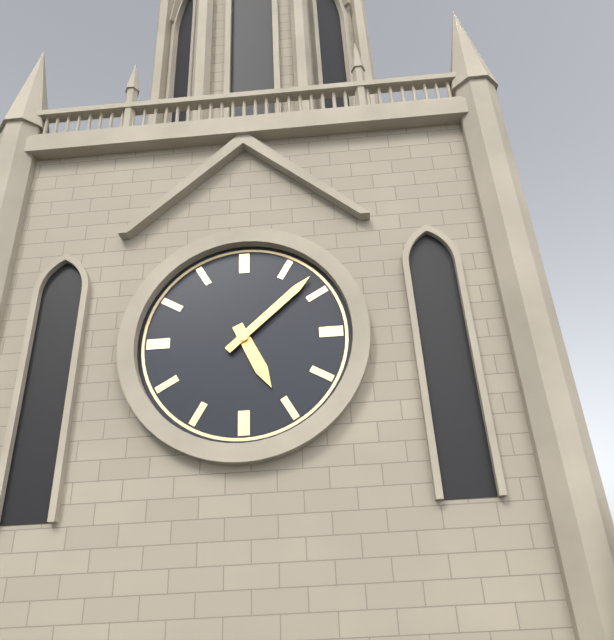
5.08
